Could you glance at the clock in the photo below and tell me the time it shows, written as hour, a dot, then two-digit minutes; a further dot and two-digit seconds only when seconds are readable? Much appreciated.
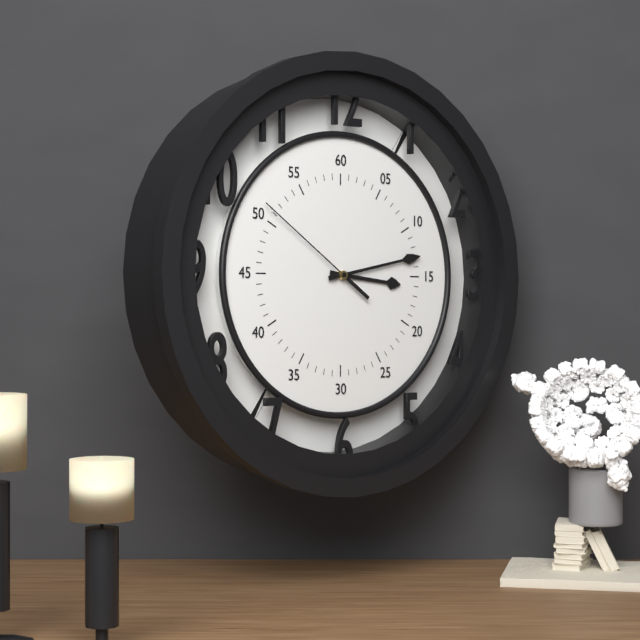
3.13.51
